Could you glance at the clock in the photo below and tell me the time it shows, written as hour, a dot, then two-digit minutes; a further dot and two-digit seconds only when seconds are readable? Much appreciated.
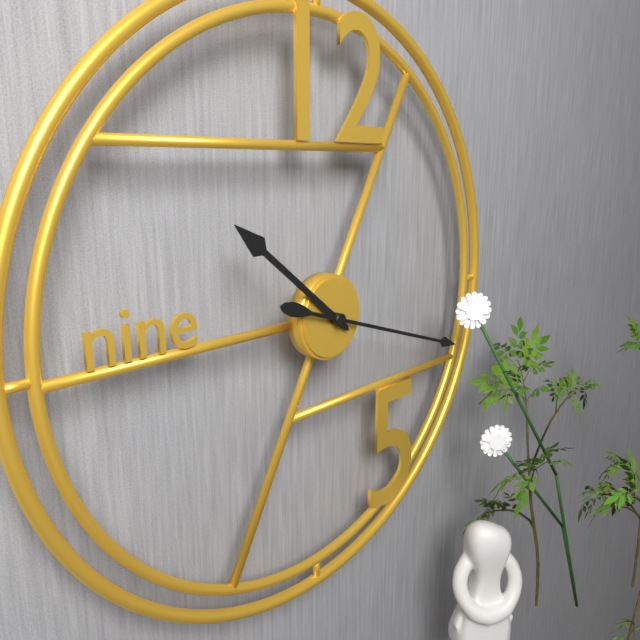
10.18
